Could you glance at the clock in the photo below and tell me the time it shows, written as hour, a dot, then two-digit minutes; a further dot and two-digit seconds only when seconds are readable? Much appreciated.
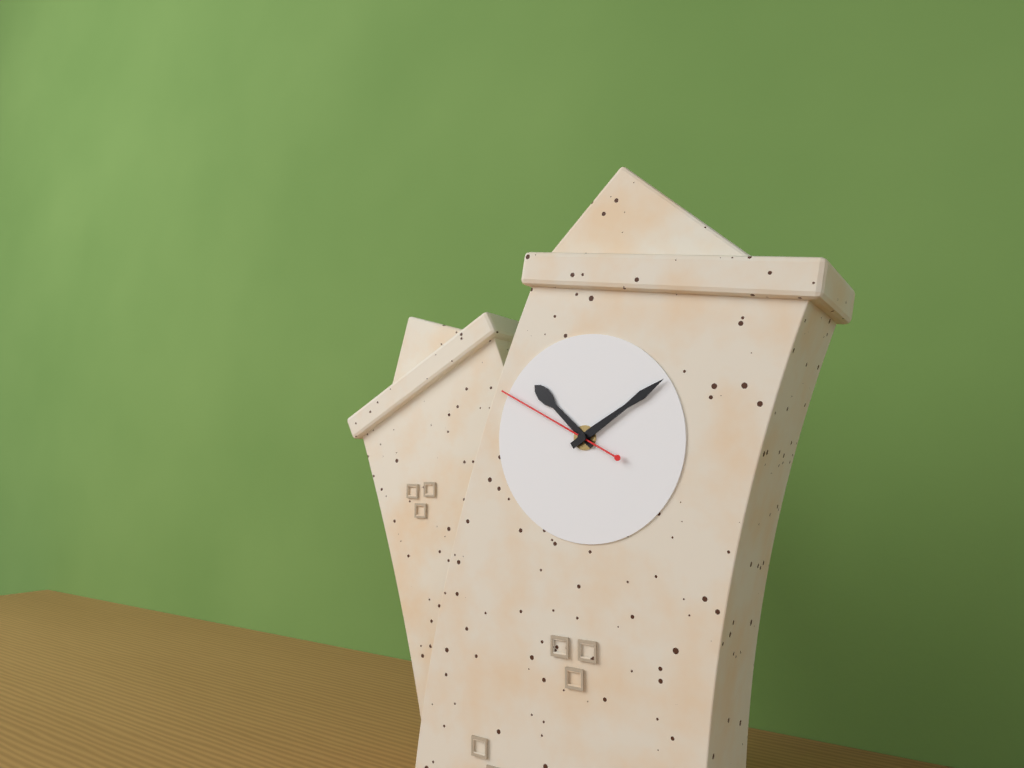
10.08.48
